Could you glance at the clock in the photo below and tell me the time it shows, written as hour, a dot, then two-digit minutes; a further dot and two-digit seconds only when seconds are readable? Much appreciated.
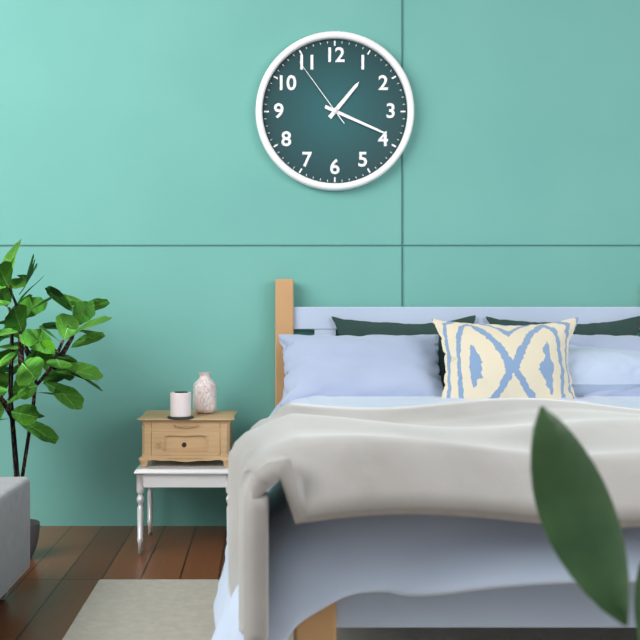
1.19.54
